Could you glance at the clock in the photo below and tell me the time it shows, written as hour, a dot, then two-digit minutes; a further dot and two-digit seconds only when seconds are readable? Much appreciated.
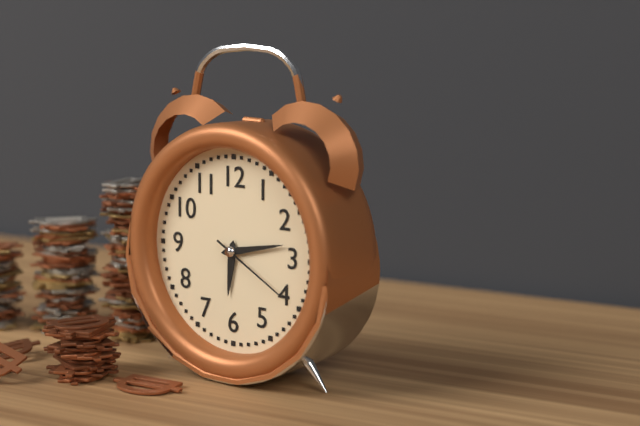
6.13.20
